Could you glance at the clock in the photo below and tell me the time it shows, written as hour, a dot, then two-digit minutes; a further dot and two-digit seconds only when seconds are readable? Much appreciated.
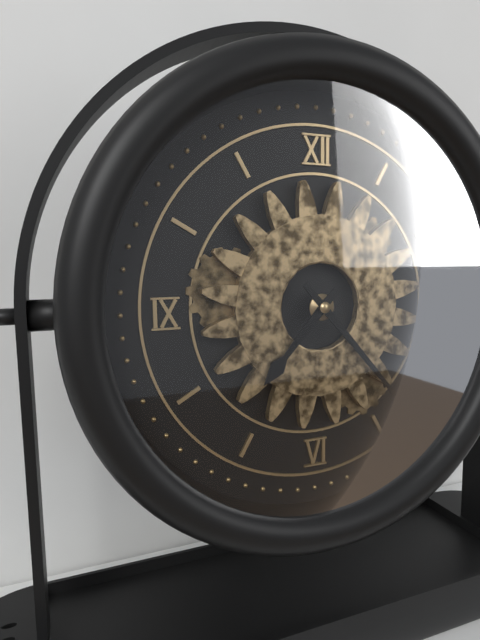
7.23
